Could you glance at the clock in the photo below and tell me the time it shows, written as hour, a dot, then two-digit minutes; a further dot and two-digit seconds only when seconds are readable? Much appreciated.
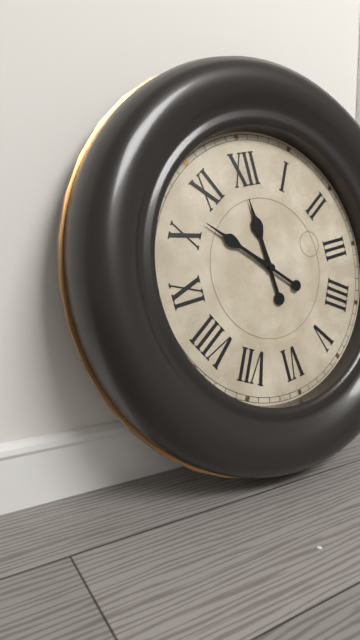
11.52
